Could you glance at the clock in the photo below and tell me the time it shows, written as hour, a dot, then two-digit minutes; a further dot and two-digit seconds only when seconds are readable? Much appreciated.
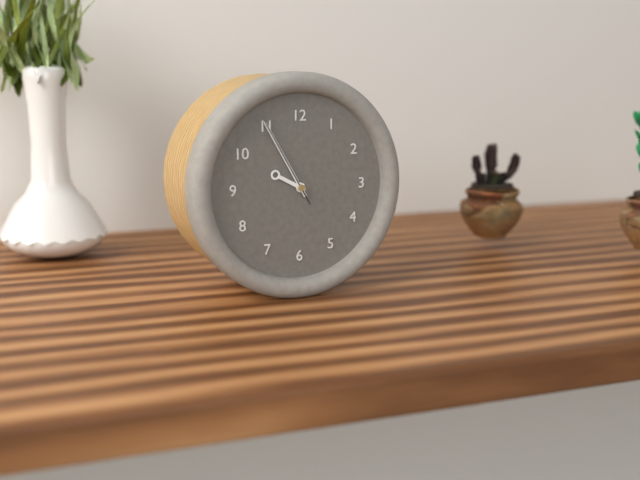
9.55.55
